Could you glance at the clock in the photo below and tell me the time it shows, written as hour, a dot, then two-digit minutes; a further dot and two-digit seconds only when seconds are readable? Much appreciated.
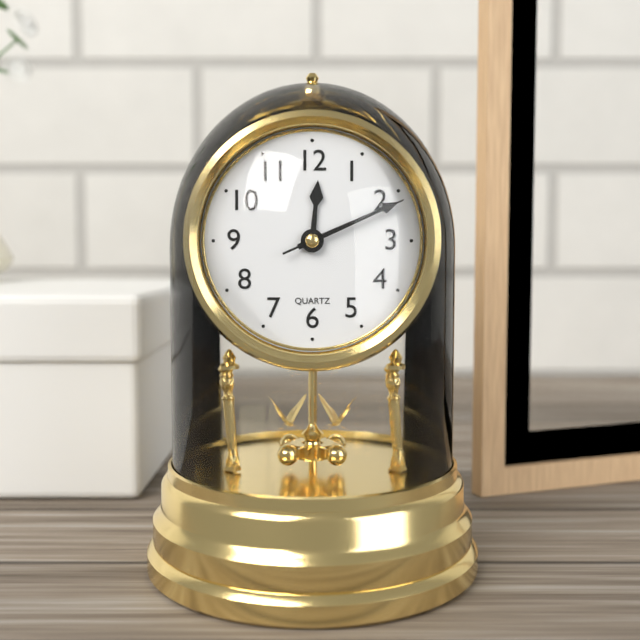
12.11.11
